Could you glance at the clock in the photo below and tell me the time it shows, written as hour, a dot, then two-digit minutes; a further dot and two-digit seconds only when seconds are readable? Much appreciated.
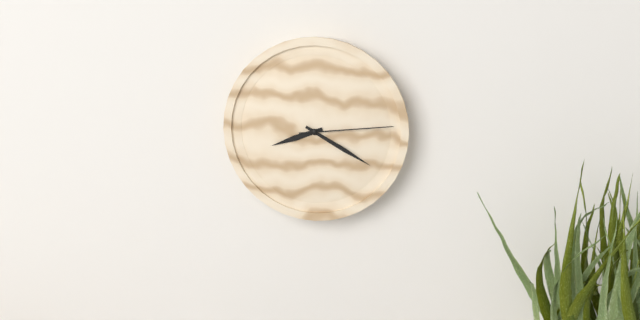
8.20.14
